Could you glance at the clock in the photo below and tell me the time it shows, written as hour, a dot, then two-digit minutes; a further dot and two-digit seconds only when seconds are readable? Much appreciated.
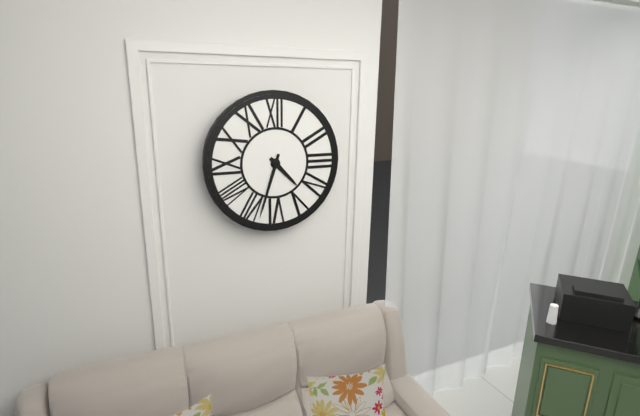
4.33
